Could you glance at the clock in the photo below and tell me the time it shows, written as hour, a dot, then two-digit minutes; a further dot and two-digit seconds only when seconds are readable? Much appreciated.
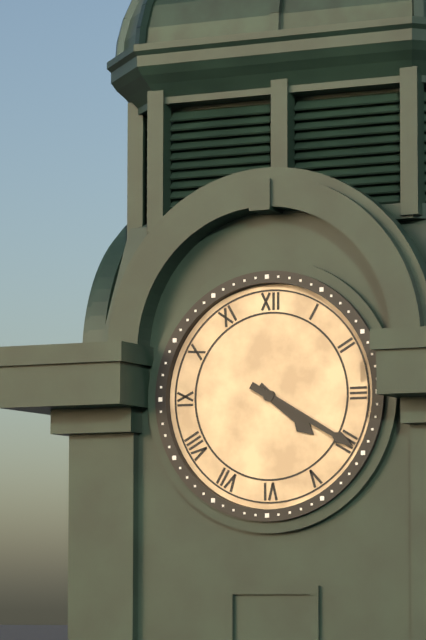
4.20
